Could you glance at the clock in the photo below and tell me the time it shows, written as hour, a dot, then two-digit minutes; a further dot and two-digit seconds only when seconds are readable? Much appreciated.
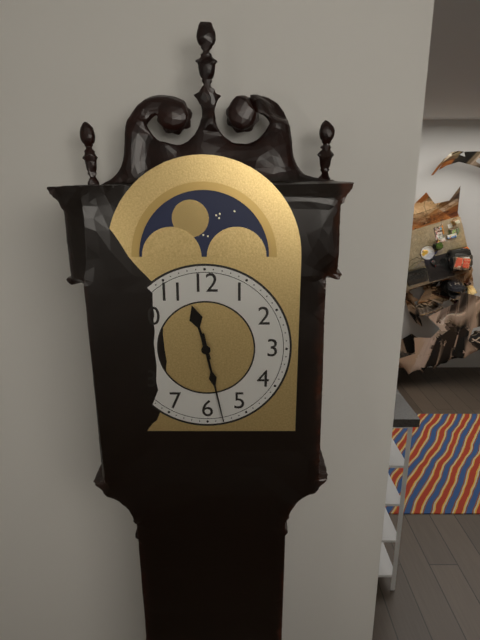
11.28
